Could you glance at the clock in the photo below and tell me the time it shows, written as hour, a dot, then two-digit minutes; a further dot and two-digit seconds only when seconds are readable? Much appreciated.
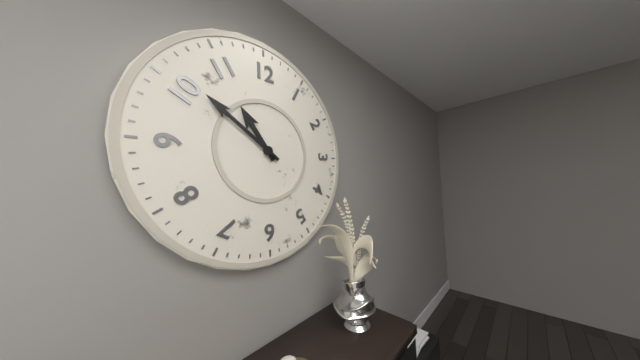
10.51
